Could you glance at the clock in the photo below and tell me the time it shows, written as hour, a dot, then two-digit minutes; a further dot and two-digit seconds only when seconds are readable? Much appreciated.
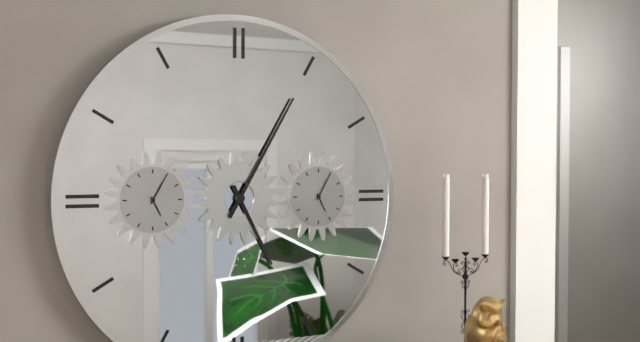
5.05
